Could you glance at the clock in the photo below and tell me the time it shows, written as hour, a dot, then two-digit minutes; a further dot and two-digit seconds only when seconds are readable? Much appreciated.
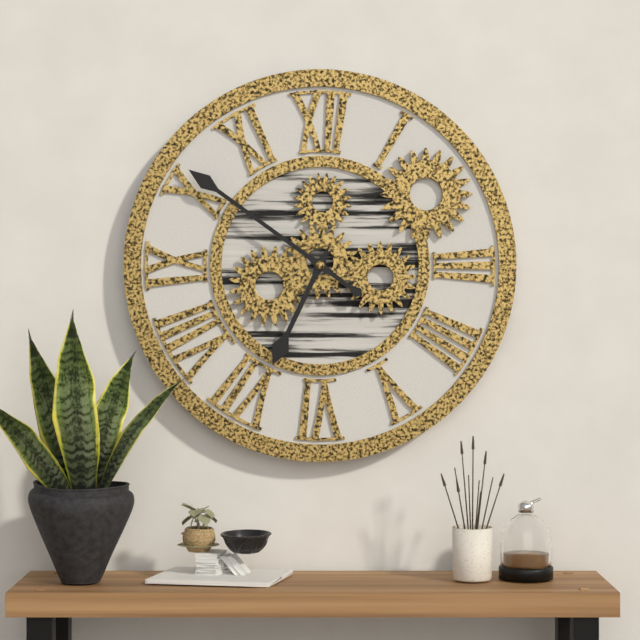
6.51
